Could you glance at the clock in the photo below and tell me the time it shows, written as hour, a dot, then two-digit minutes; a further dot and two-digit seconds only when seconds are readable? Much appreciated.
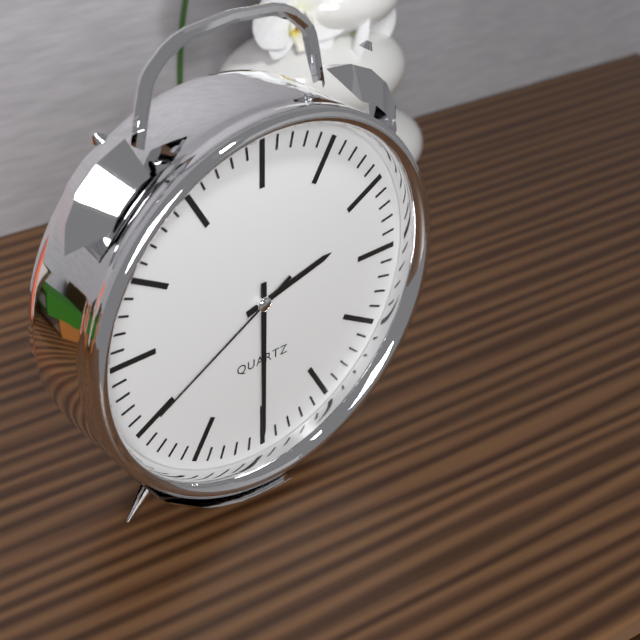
2.30.40
